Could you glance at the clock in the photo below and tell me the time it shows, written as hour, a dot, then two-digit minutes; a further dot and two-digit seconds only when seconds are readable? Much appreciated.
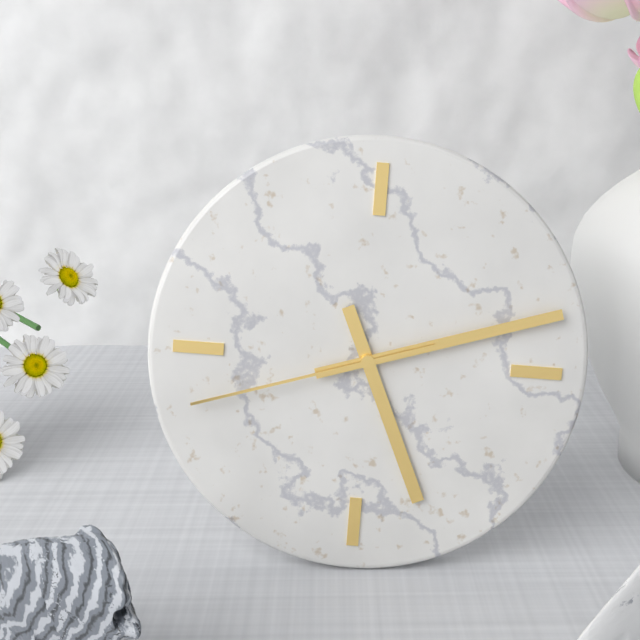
5.12.42
